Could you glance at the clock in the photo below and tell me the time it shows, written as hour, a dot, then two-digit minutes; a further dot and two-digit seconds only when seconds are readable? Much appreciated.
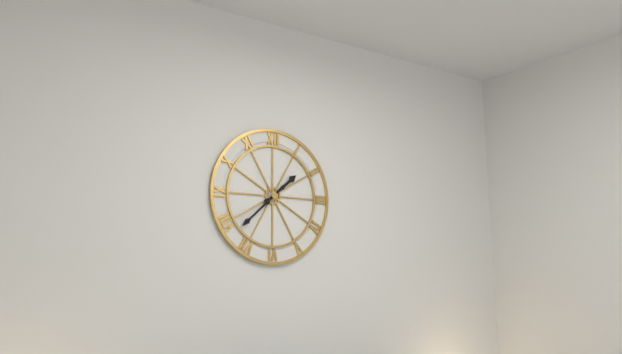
1.38
